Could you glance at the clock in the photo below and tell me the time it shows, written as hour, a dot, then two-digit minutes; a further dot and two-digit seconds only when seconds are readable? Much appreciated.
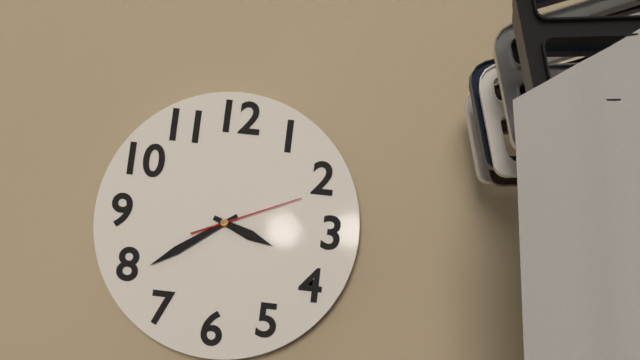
3.39.11
